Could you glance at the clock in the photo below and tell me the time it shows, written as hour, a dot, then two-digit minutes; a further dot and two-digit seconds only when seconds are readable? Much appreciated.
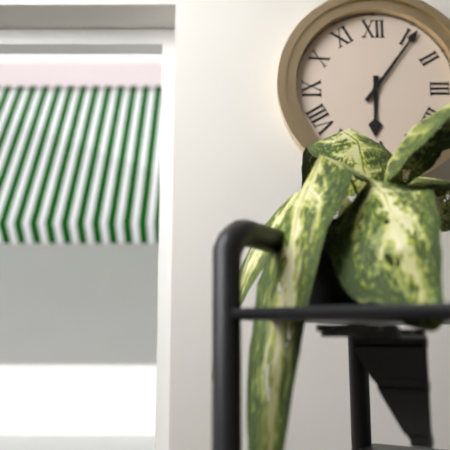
6.06
